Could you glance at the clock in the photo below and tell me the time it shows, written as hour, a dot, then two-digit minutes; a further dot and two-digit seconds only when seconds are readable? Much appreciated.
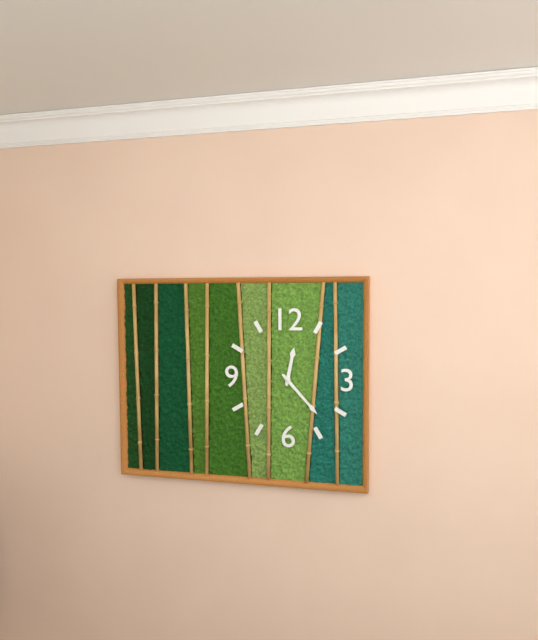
12.23
